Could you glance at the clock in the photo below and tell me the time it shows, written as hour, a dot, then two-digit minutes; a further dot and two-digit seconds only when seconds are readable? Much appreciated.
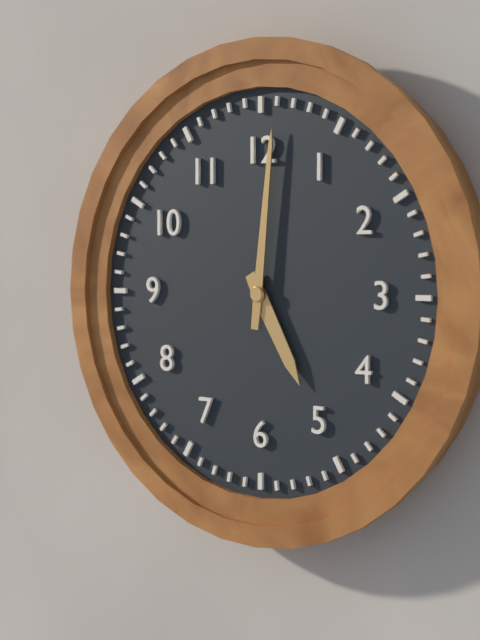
5.01
